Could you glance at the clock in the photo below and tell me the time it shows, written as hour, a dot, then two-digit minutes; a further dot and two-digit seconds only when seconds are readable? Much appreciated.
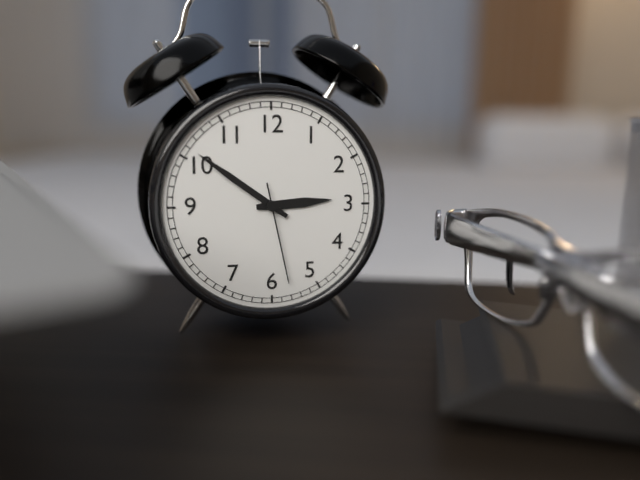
2.51.28
